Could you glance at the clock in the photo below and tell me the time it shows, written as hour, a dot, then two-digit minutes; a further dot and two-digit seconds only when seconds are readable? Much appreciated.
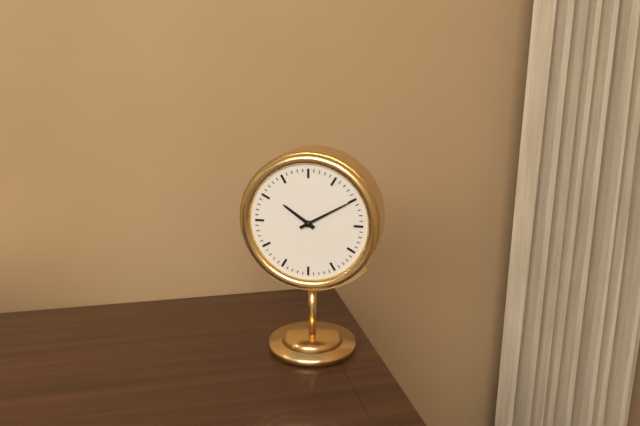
10.10
